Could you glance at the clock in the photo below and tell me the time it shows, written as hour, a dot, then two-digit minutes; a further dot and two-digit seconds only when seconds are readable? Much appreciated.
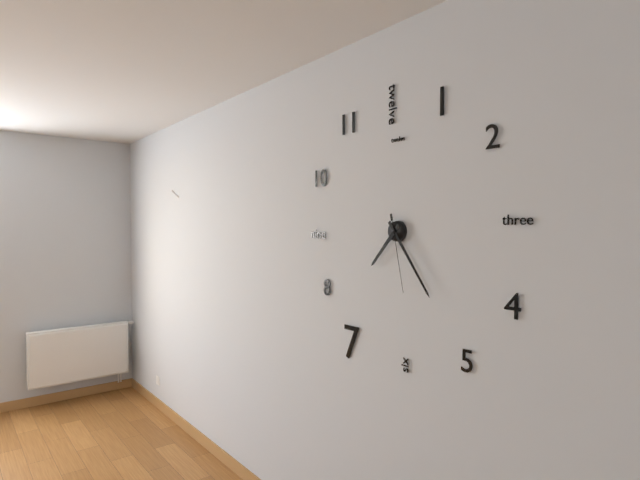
7.24.28
